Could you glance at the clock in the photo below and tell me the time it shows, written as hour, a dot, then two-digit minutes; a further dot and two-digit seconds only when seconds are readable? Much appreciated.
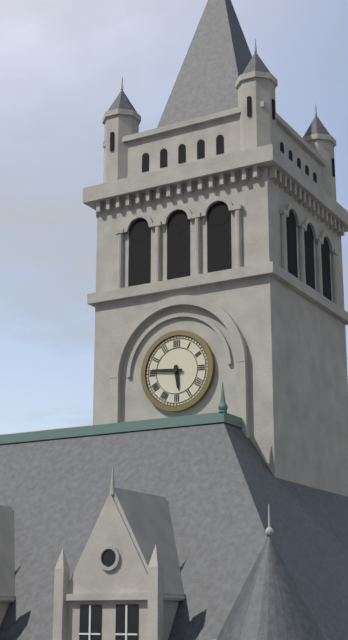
5.46
